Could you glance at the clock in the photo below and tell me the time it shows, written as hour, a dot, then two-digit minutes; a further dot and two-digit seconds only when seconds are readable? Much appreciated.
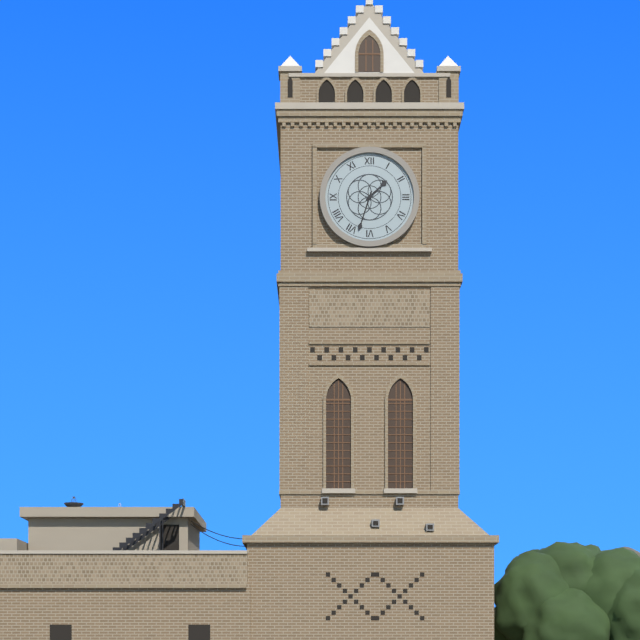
1.33
